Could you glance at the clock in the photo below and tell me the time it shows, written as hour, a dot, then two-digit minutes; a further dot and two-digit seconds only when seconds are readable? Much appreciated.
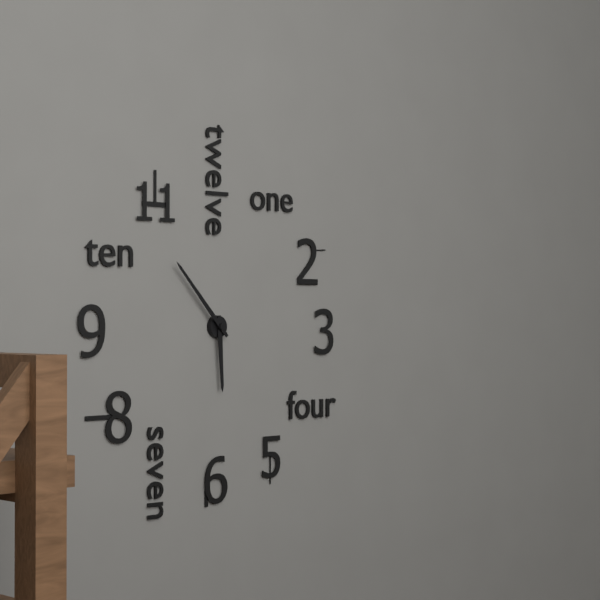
5.53
